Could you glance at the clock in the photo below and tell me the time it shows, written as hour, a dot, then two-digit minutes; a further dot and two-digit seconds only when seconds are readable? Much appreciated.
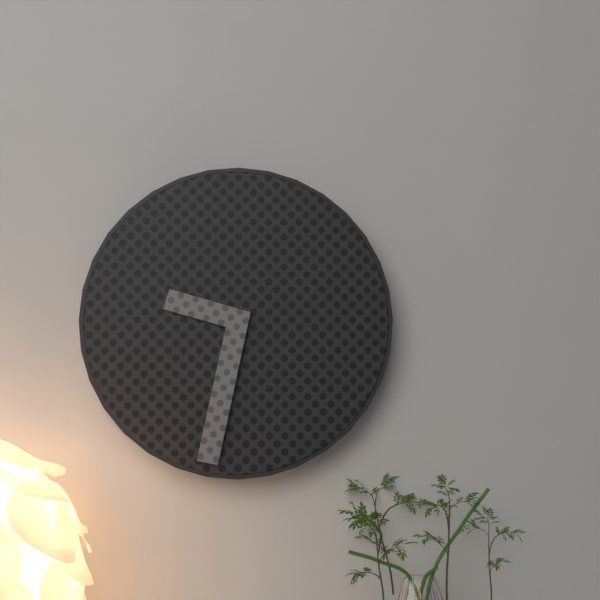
9.32
